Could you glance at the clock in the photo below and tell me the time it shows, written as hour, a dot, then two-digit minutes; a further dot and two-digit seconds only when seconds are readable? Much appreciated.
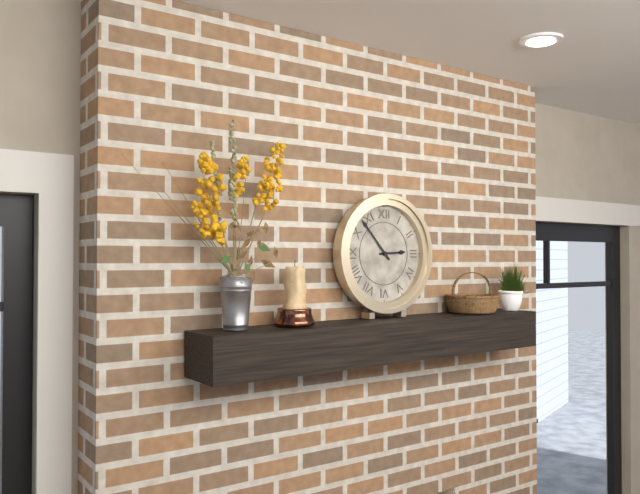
2.53
